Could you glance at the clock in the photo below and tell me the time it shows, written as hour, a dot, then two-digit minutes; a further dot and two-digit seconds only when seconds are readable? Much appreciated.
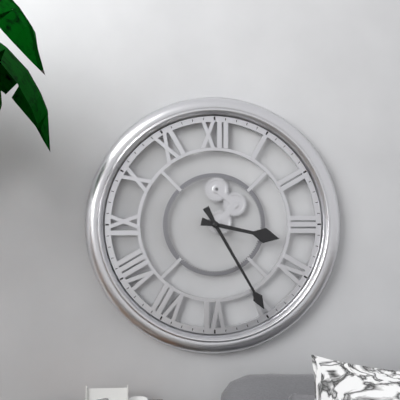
3.25
